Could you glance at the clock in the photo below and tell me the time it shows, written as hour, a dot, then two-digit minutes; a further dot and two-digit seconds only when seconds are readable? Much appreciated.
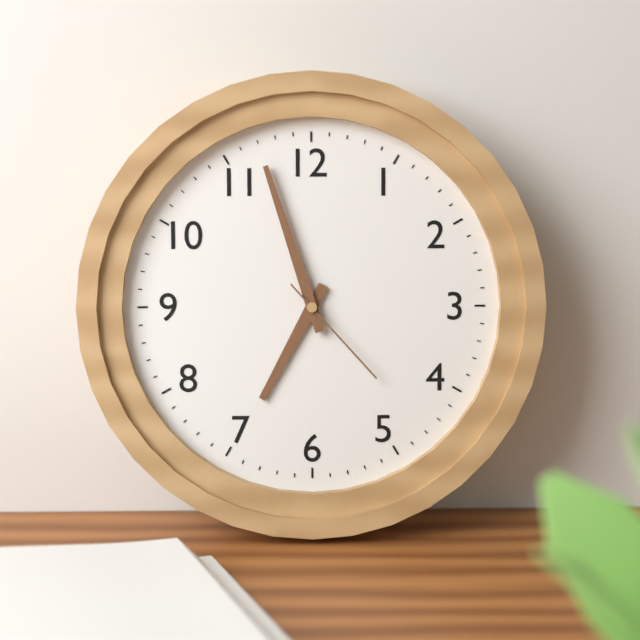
6.57.23
